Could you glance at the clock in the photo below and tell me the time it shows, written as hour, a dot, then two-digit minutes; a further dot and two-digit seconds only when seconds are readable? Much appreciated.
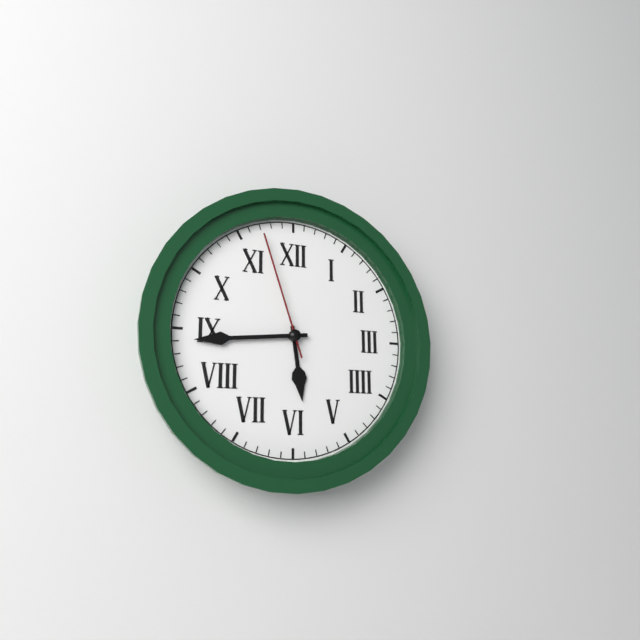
5.44.57
